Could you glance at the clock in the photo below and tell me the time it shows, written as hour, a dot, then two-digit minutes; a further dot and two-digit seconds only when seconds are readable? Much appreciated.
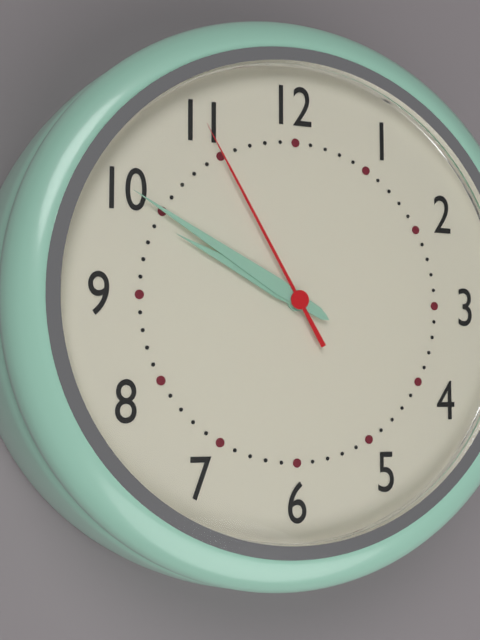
9.50.55
